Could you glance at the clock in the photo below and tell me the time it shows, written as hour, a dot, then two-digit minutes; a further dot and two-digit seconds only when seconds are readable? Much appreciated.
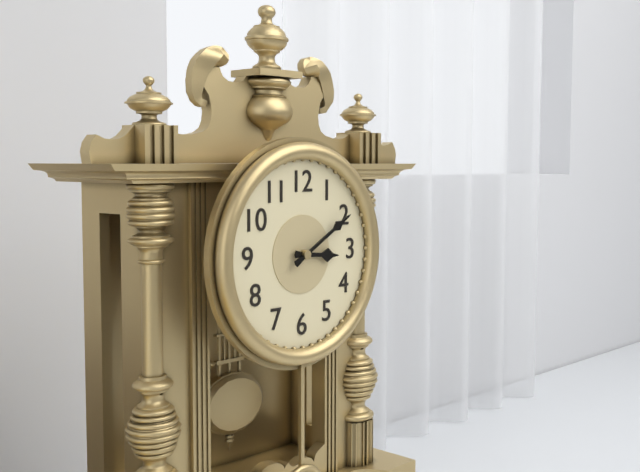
3.10
